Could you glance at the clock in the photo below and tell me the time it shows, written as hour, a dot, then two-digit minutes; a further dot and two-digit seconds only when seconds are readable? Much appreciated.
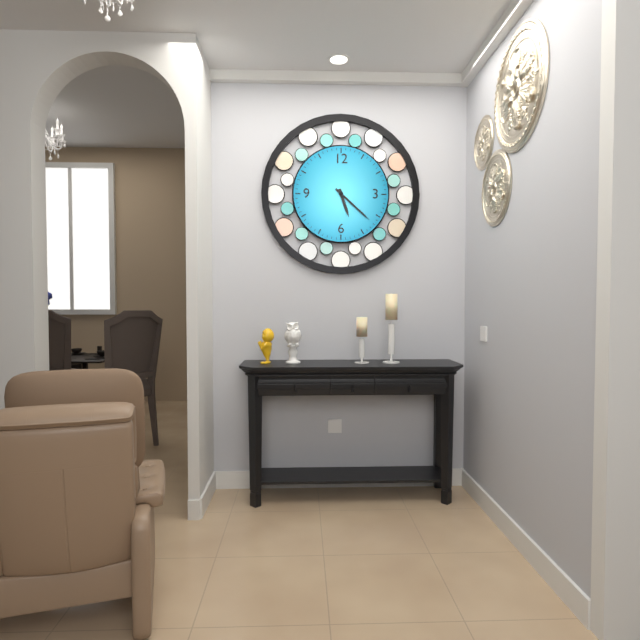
5.22
